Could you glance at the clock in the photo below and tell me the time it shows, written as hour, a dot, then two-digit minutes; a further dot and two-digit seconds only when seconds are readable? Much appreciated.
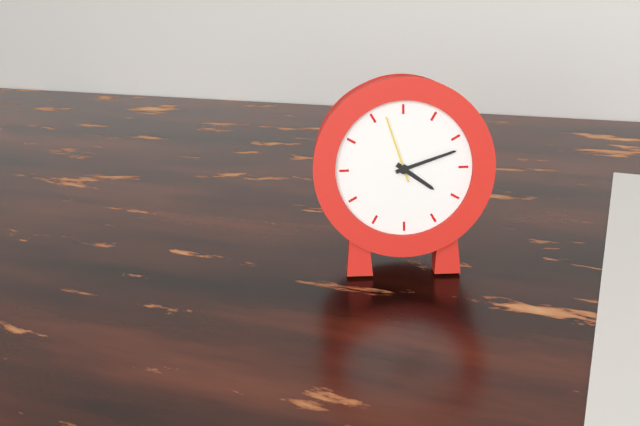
4.12.57
